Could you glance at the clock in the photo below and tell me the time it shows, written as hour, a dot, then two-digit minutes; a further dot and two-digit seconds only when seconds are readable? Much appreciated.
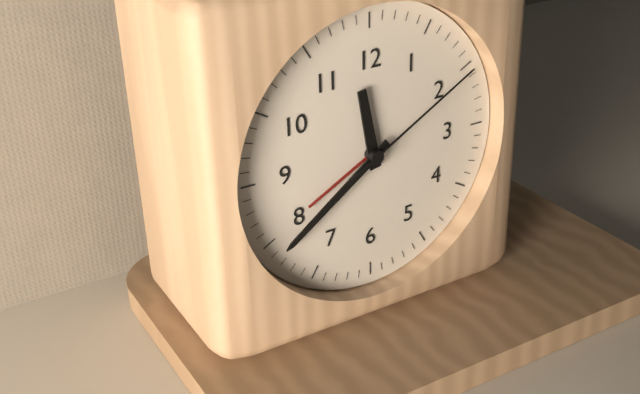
11.39.10
